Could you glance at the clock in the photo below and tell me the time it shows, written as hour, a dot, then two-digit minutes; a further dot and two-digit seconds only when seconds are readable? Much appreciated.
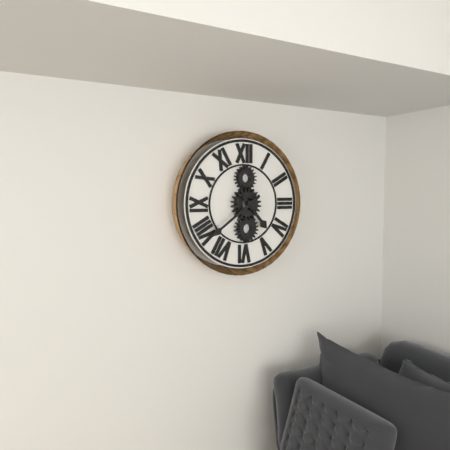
4.39
